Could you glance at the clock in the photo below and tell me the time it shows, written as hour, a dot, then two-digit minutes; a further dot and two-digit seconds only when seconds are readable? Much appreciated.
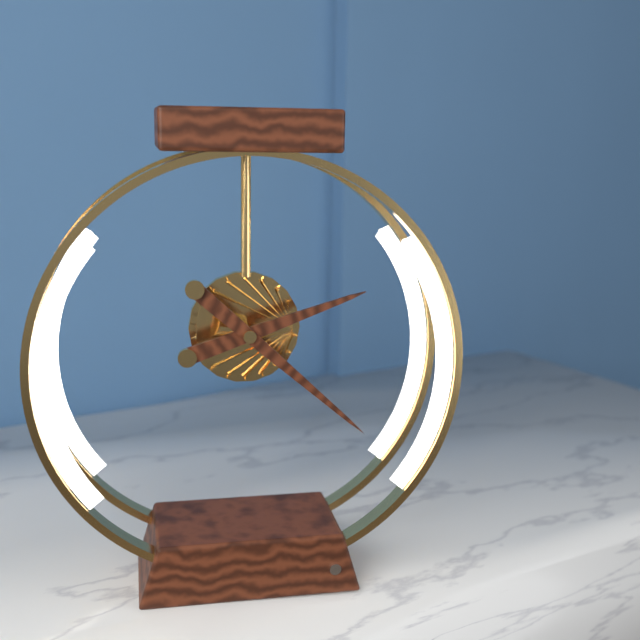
2.22
